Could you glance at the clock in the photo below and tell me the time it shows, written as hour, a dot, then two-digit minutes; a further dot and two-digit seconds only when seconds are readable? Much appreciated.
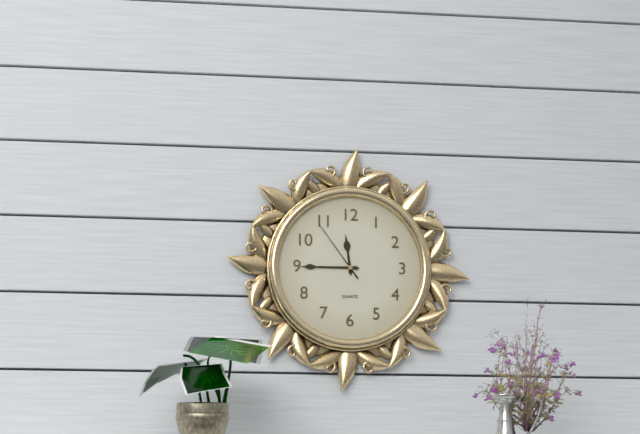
11.45.54
